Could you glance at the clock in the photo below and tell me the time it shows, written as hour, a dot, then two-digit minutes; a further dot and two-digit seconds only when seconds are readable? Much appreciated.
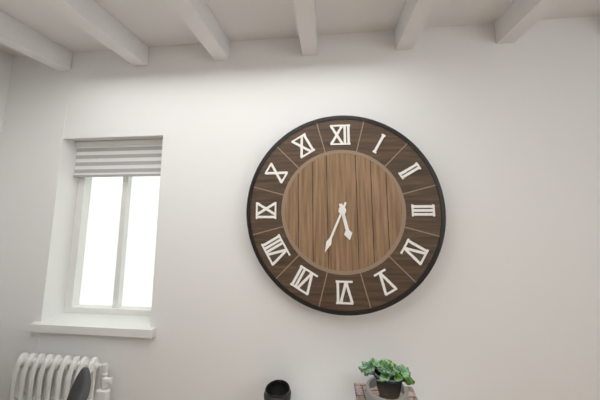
5.34
